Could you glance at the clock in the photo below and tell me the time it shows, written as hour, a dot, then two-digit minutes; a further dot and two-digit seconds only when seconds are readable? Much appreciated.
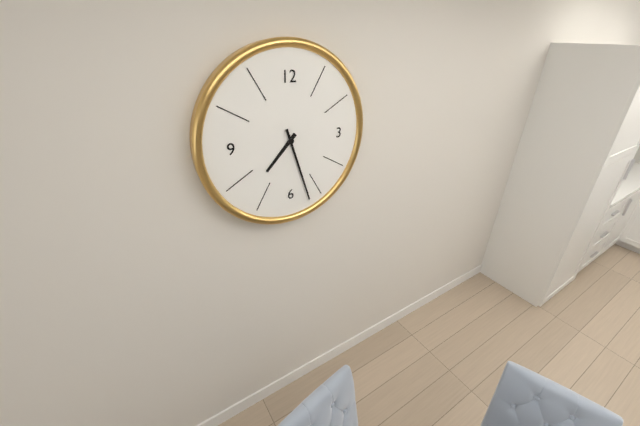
7.27
